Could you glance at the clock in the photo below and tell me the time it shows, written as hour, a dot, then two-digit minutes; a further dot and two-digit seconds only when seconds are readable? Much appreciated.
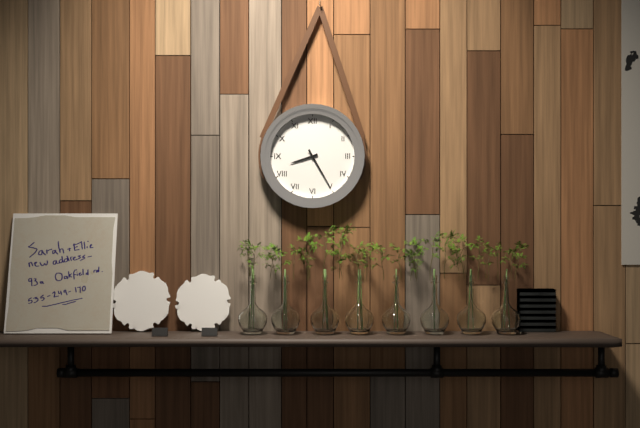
8.25
